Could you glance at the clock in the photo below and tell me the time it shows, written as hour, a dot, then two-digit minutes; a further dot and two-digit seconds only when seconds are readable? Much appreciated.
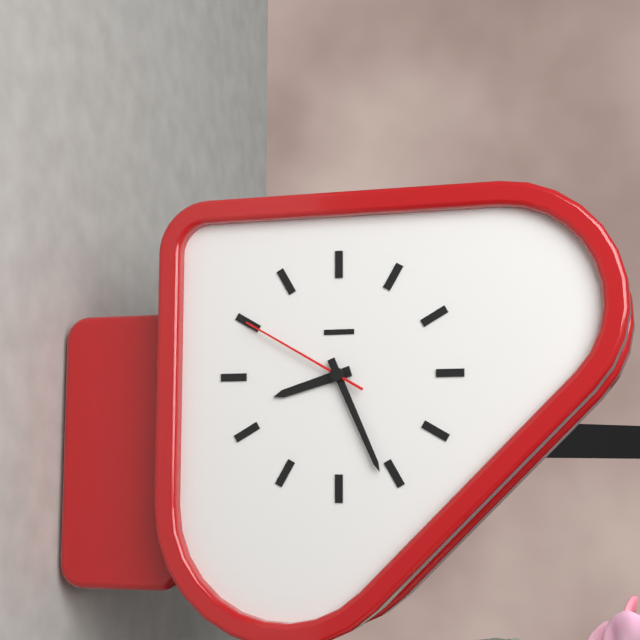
8.26.50
